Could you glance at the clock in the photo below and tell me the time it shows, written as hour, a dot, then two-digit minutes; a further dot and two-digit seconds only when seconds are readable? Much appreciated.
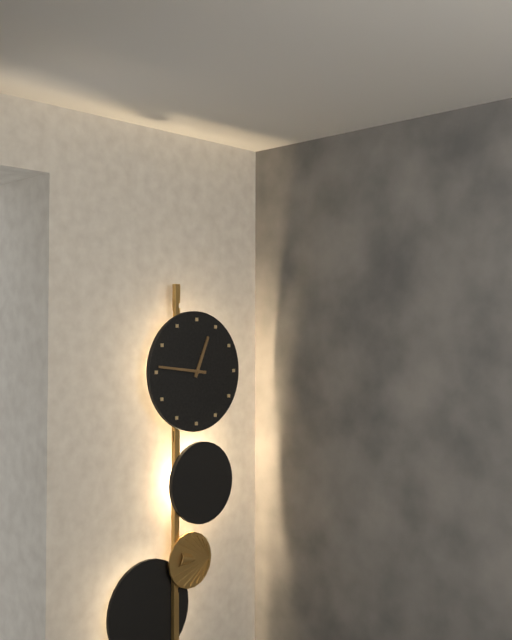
12.46
